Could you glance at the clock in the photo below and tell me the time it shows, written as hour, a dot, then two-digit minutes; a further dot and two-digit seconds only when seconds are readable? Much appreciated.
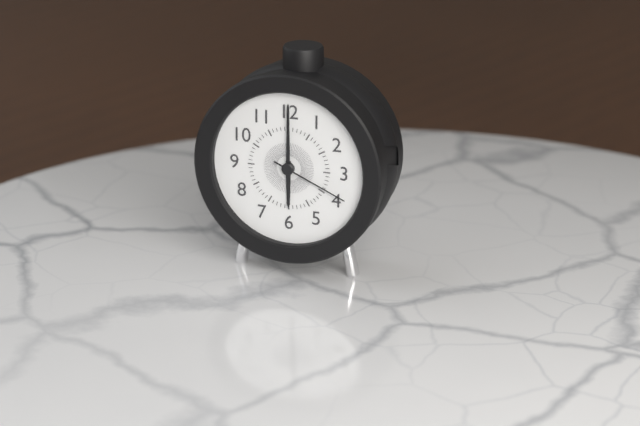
6.00.19
